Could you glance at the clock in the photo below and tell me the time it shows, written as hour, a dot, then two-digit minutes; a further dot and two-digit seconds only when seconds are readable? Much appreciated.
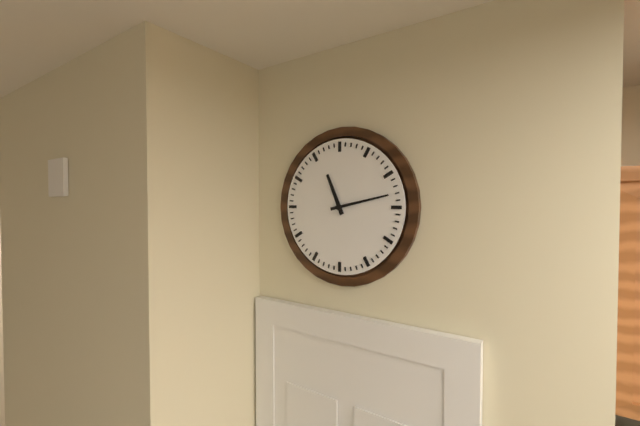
11.13
